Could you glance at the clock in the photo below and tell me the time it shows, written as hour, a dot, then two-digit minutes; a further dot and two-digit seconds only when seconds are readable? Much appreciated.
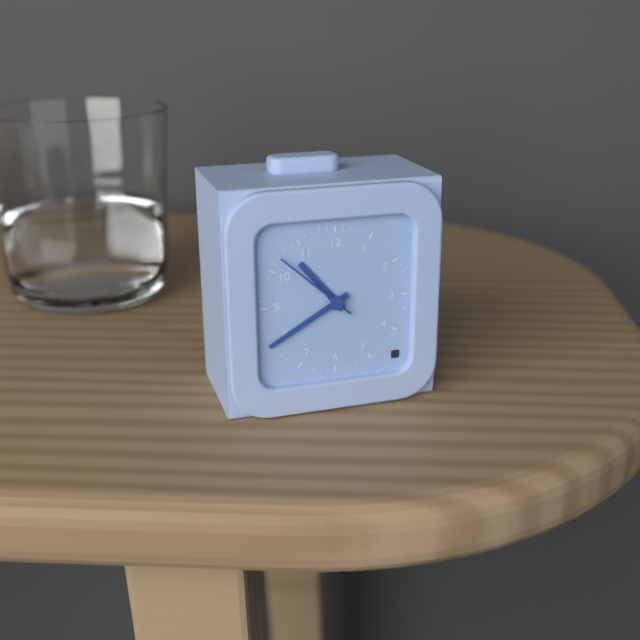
10.40.52
